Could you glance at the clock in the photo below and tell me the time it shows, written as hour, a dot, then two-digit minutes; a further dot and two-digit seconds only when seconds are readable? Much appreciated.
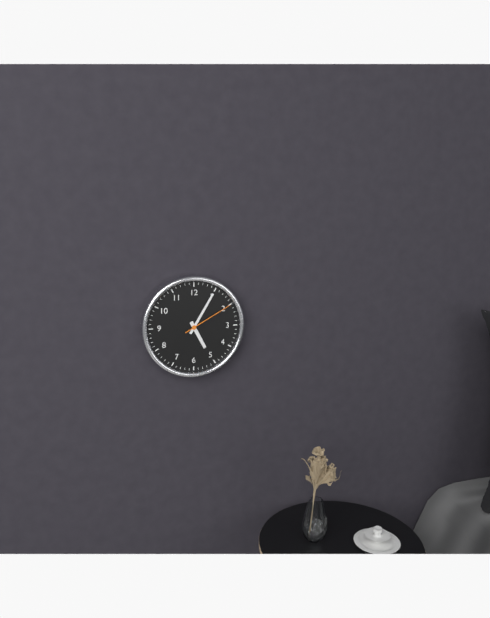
5.05.10
